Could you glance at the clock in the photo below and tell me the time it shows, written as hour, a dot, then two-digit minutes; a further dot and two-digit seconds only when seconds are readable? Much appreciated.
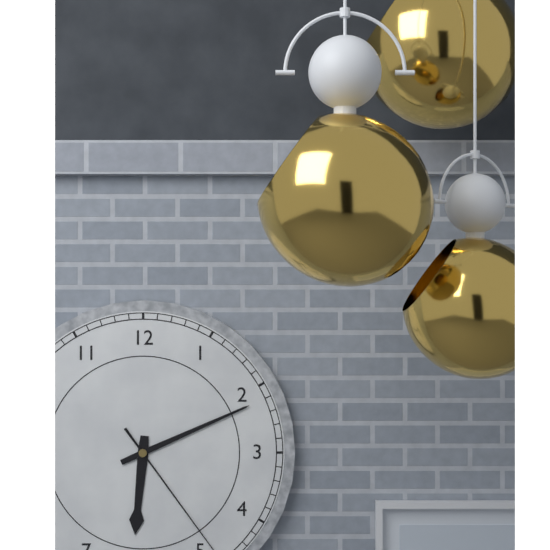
6.11
